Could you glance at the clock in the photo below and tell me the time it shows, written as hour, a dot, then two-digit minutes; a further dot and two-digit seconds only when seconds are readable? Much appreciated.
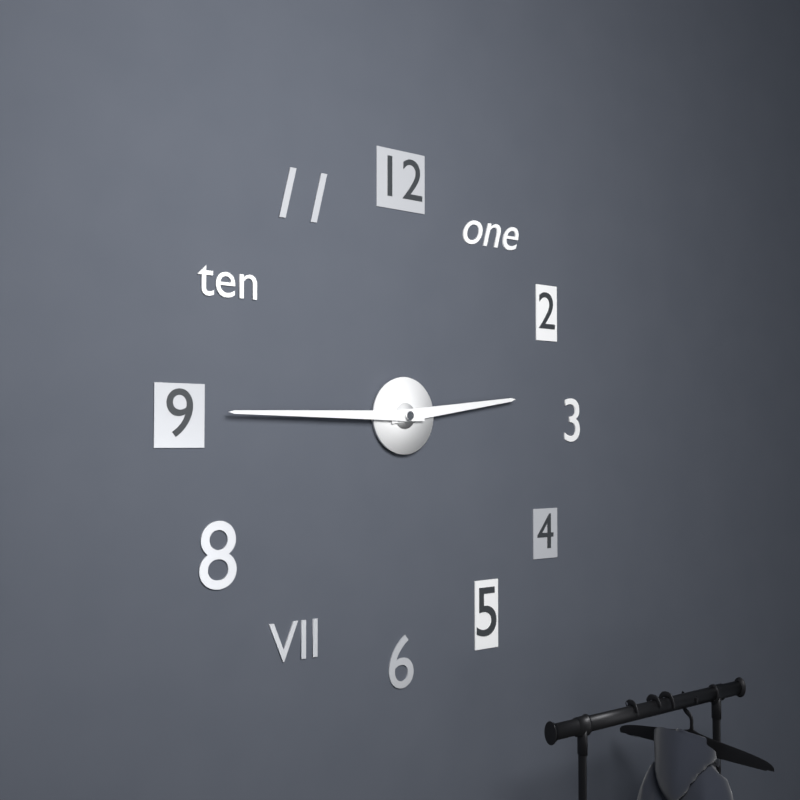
2.45
